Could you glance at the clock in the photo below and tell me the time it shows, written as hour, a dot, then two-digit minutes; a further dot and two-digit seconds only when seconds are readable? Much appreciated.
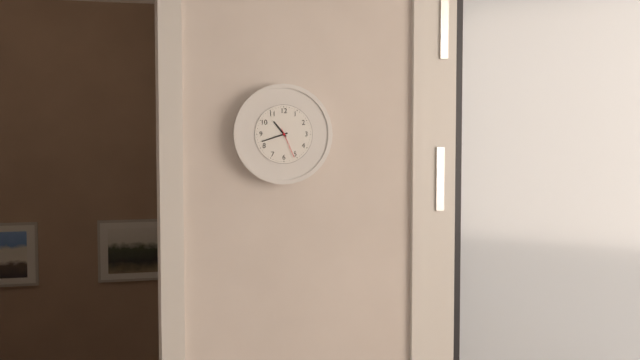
10.42
